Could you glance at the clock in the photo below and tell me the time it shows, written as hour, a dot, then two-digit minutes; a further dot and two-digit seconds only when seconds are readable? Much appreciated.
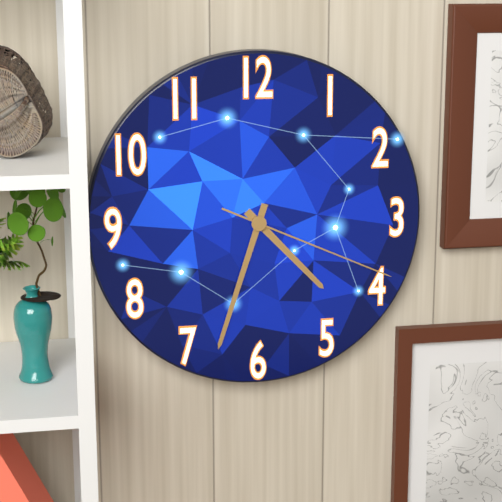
4.33.19
